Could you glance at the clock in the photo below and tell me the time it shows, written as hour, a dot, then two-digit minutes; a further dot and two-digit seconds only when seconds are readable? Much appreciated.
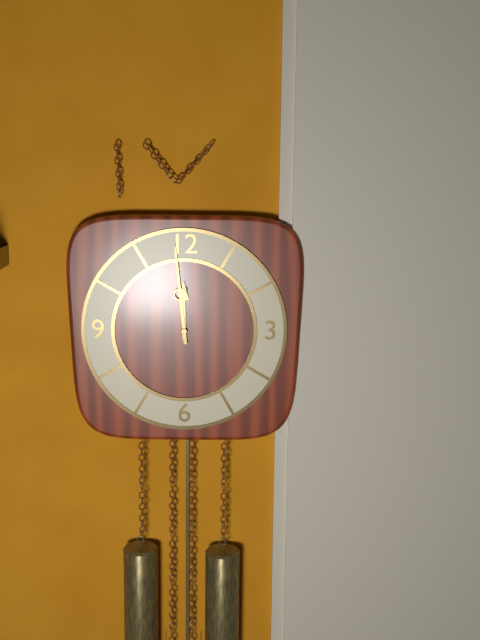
11.59
